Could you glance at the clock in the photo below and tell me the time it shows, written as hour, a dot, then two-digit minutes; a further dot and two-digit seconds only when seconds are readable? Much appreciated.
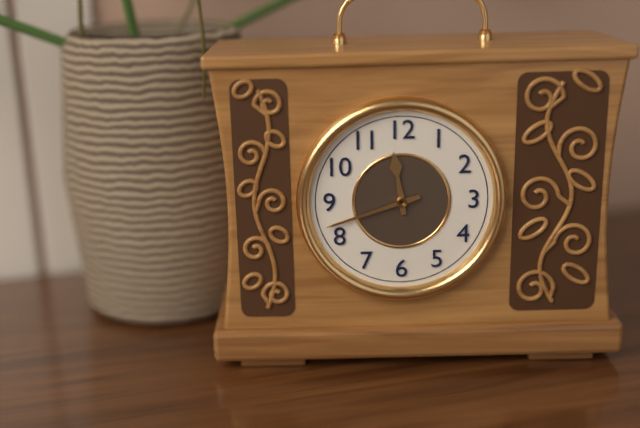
11.42
